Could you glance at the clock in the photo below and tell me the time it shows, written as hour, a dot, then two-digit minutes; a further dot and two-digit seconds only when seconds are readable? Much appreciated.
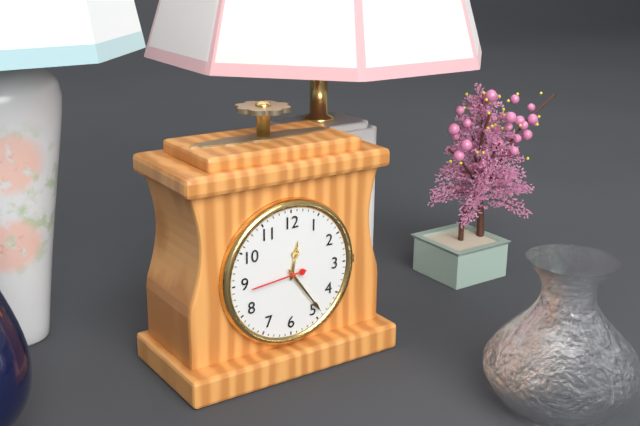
12.24.44
